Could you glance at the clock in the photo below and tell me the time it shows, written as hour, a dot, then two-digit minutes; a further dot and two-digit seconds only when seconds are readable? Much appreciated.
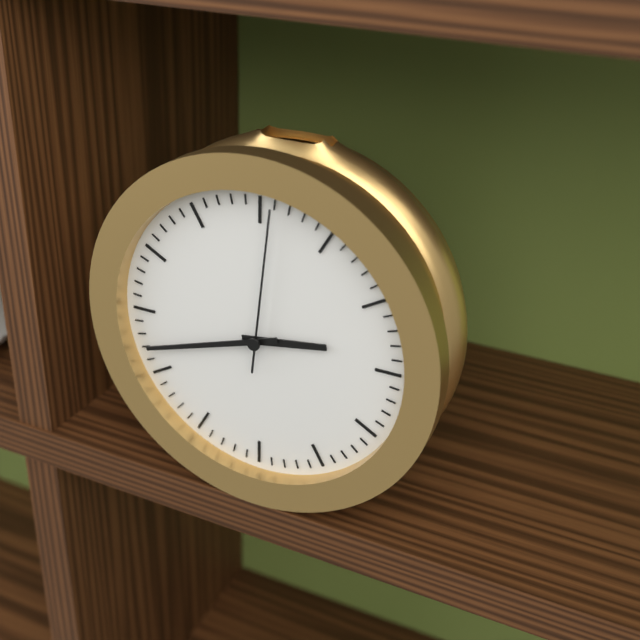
2.42.01
